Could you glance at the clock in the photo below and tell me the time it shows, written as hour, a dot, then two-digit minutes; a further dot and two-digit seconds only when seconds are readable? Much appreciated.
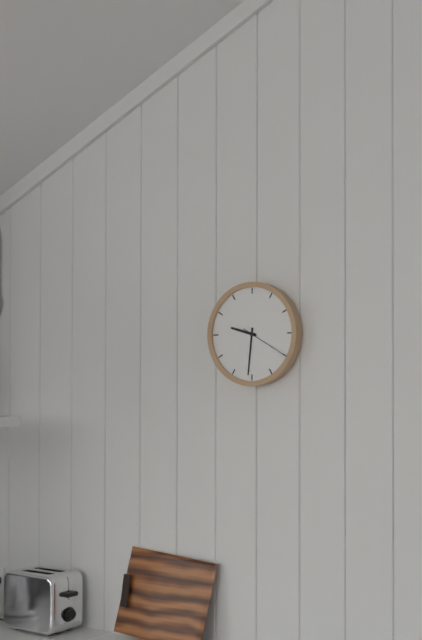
9.31
